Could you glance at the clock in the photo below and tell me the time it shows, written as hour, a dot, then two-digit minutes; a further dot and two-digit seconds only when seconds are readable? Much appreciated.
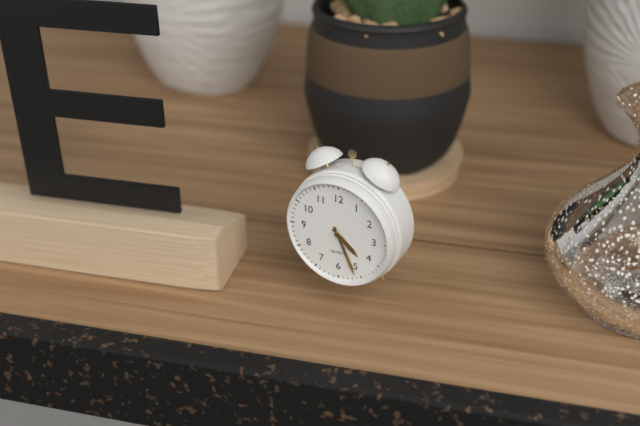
4.26
